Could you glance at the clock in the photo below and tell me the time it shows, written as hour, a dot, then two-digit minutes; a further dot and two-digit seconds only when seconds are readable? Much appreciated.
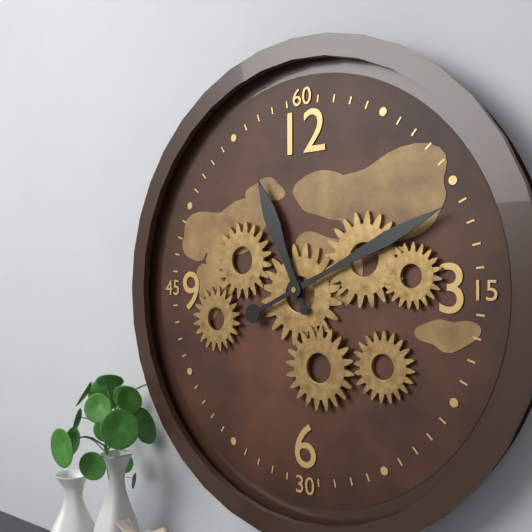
11.11
